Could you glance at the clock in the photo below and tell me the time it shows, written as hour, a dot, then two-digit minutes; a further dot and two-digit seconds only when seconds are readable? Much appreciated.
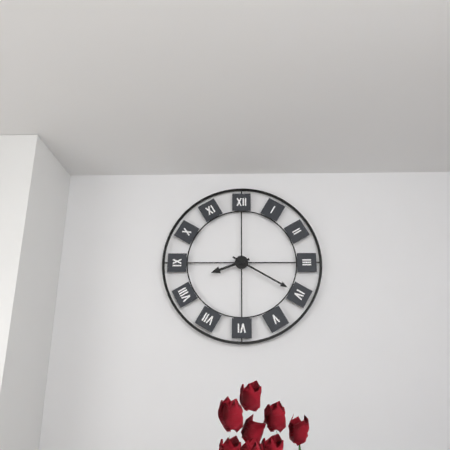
8.20
